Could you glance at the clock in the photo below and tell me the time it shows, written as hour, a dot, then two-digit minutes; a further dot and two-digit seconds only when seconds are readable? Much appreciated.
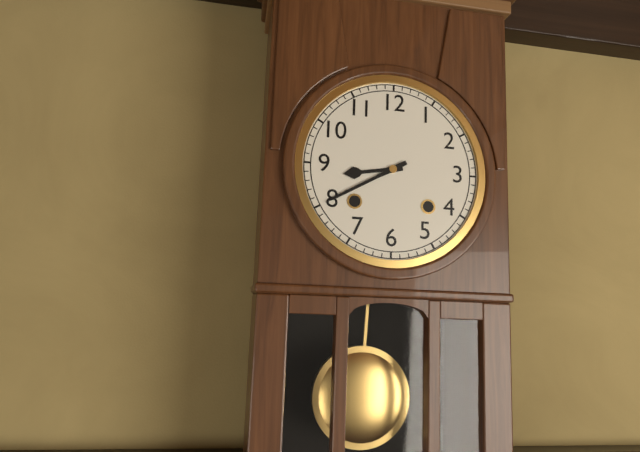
8.40
